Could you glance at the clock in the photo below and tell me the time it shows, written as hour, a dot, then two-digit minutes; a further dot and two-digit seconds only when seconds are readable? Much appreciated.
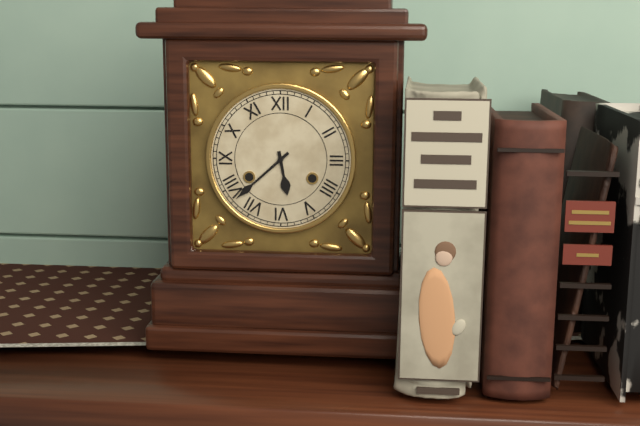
5.38
